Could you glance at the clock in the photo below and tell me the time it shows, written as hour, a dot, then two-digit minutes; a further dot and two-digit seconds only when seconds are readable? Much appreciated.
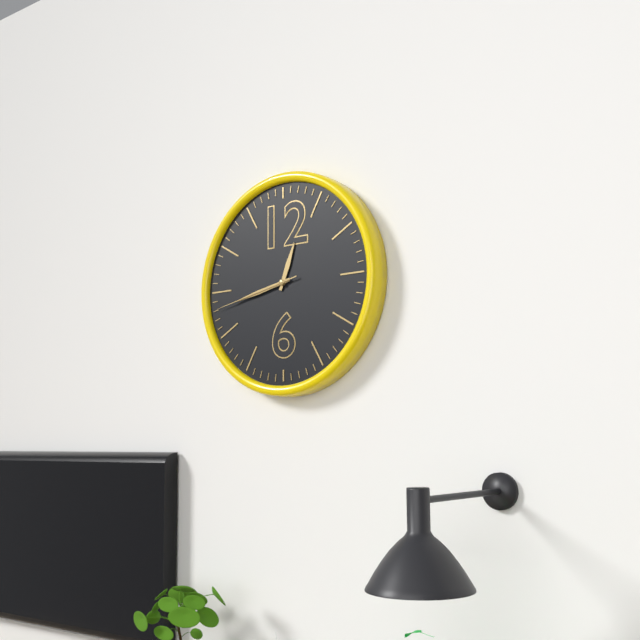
12.43.43
